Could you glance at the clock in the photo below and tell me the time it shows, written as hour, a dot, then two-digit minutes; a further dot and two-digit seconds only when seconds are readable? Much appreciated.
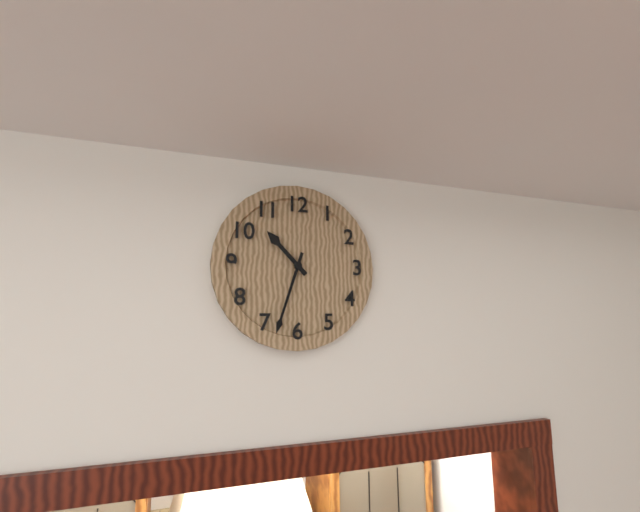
10.33
